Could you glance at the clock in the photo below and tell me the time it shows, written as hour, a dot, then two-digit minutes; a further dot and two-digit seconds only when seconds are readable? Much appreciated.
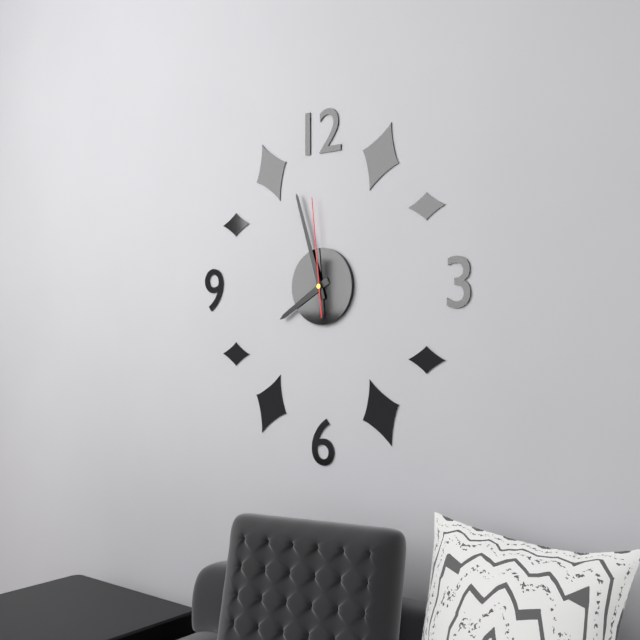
7.57.59
